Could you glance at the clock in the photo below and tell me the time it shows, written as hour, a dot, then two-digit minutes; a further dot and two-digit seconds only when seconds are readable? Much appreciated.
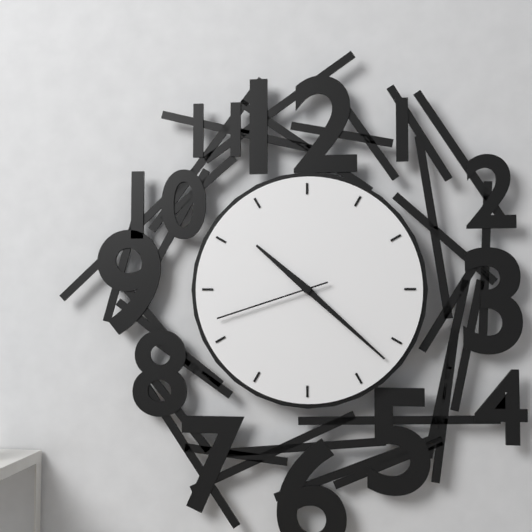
10.22.42
